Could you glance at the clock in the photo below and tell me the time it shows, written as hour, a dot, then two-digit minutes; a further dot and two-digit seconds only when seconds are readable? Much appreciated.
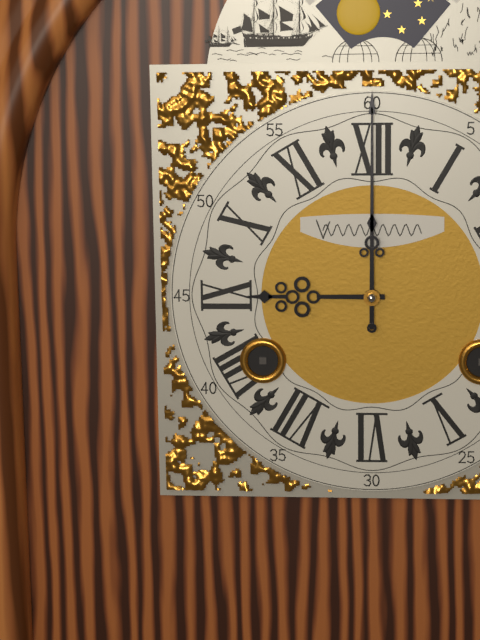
9.00
